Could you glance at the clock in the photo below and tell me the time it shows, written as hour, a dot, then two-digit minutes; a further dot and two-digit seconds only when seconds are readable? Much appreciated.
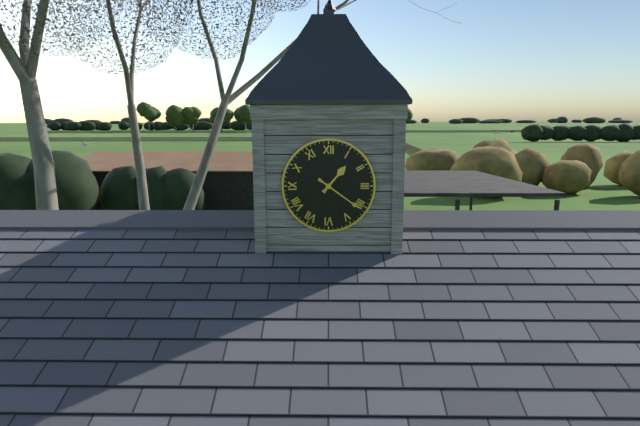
1.21
